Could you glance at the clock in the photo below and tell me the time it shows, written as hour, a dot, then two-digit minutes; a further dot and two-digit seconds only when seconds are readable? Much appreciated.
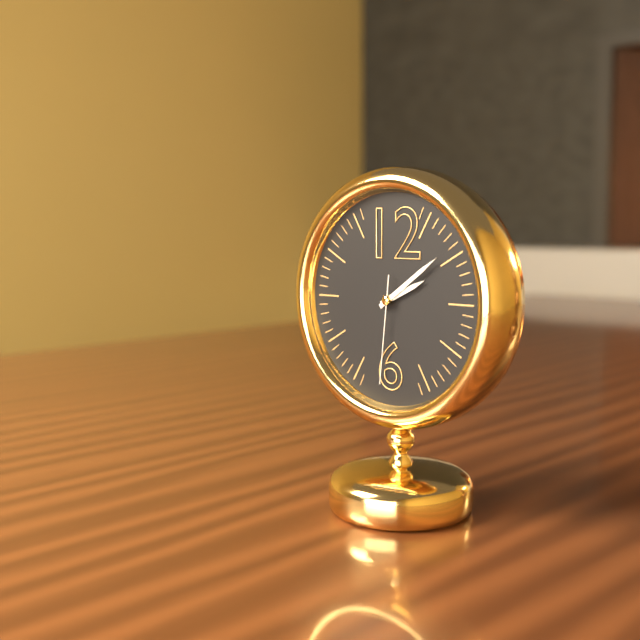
2.09.31
